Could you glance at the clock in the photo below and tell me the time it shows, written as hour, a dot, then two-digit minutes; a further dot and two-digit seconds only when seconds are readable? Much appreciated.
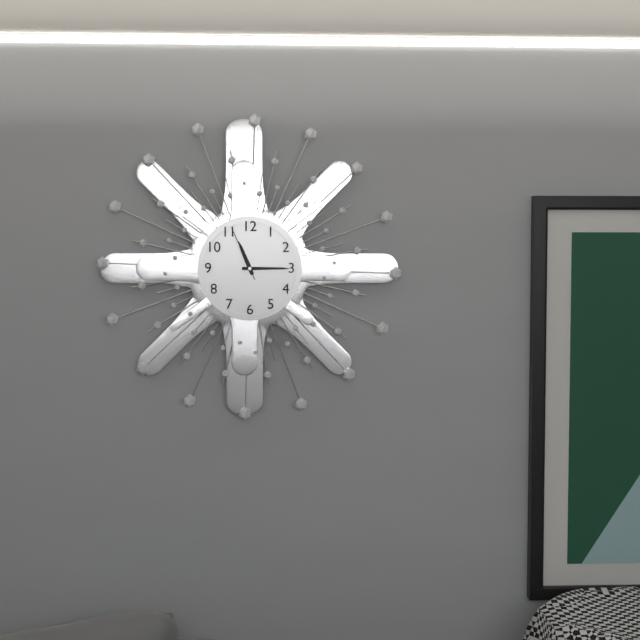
11.15.56
